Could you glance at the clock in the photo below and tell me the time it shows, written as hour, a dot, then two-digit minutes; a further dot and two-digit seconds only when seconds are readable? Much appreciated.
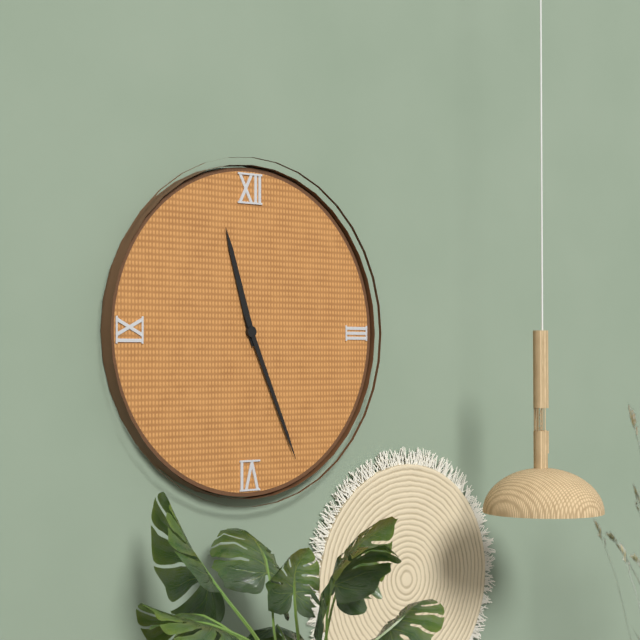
11.26
